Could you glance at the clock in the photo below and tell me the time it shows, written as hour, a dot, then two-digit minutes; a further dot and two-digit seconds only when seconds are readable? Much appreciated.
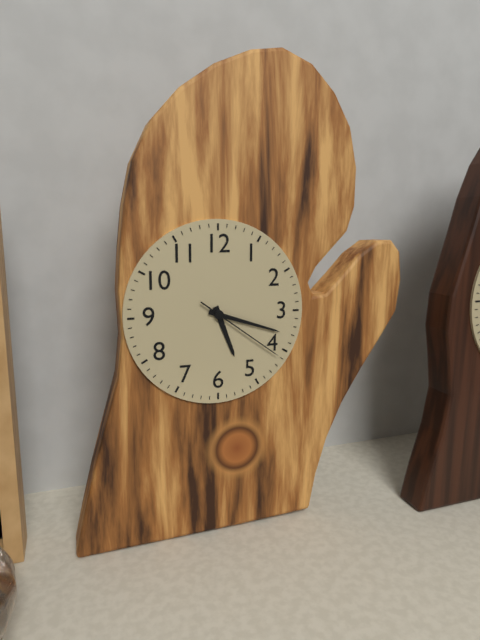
5.18.21
